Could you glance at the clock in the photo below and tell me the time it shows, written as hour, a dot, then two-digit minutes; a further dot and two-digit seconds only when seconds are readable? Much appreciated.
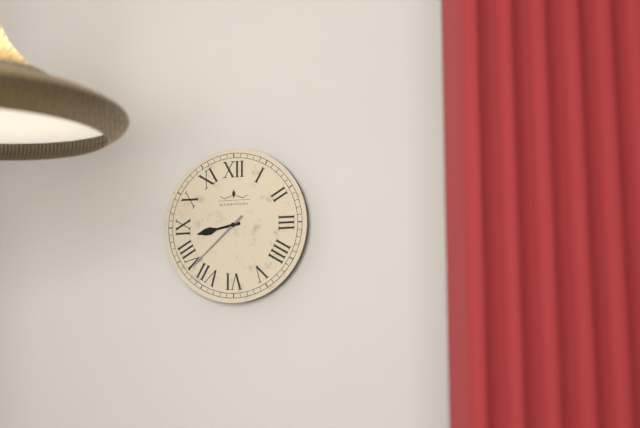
8.38
